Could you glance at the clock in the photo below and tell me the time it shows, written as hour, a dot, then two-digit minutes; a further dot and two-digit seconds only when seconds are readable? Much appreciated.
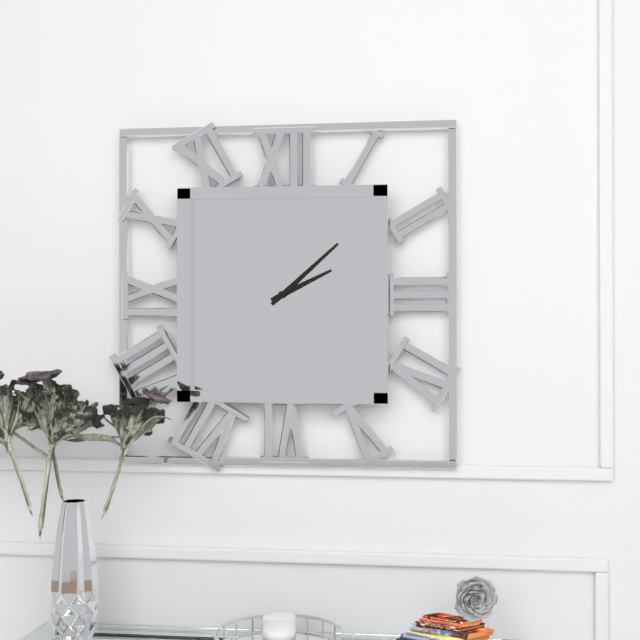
2.08
